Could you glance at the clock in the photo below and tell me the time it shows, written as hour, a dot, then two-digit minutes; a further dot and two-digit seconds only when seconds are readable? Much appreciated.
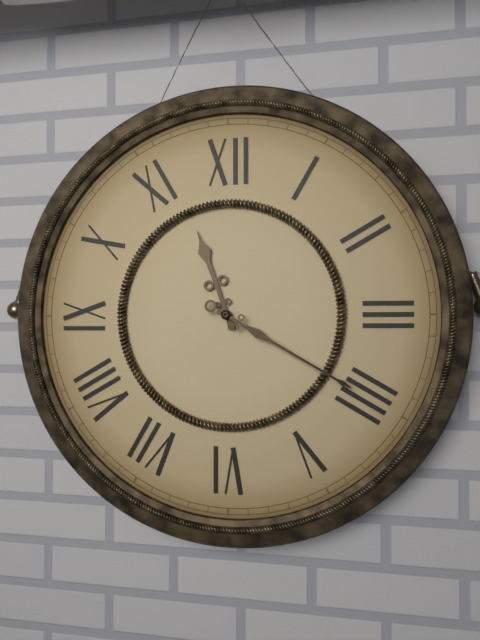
11.20
